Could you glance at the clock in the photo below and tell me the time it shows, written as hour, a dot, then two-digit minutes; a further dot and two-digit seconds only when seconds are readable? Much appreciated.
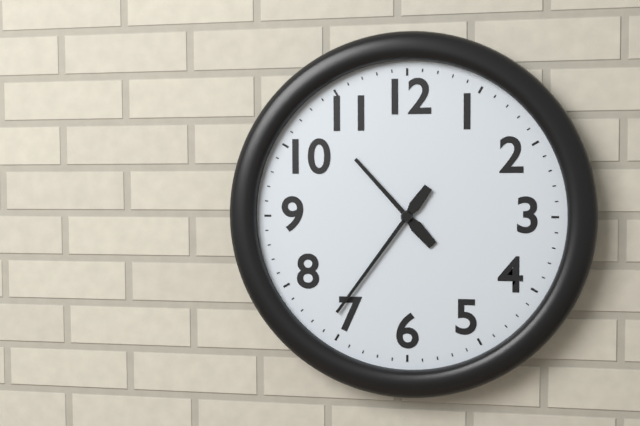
10.36
